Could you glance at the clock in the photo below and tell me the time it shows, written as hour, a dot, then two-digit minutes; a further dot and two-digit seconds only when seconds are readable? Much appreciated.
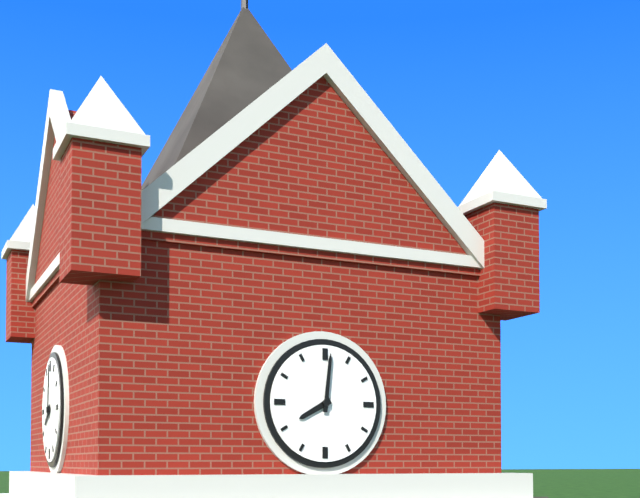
8.01
